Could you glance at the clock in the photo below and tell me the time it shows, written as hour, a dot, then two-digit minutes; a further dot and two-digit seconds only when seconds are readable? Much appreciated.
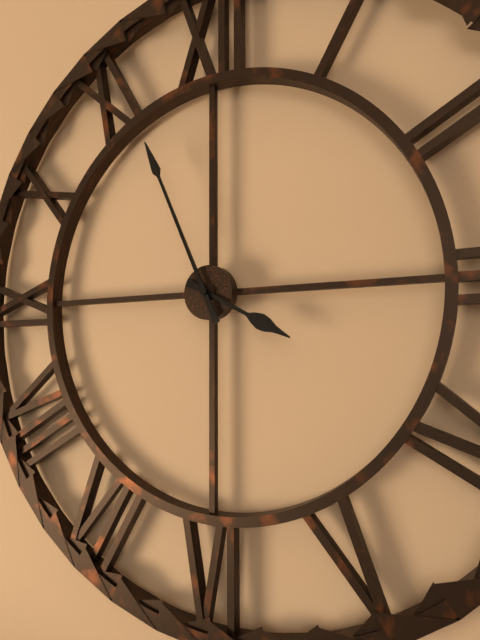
3.56
